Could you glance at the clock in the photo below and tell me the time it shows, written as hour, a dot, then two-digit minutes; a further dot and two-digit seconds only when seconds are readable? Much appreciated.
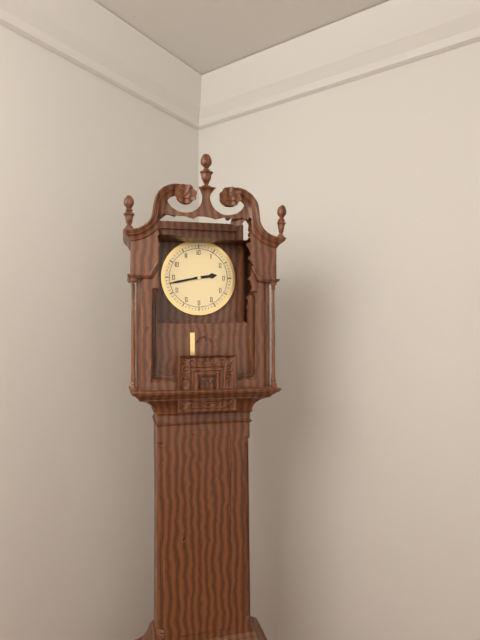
2.43
